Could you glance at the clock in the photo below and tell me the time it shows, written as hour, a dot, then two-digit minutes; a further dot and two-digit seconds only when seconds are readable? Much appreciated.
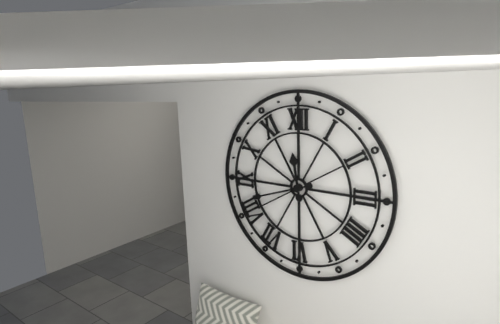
11.42
